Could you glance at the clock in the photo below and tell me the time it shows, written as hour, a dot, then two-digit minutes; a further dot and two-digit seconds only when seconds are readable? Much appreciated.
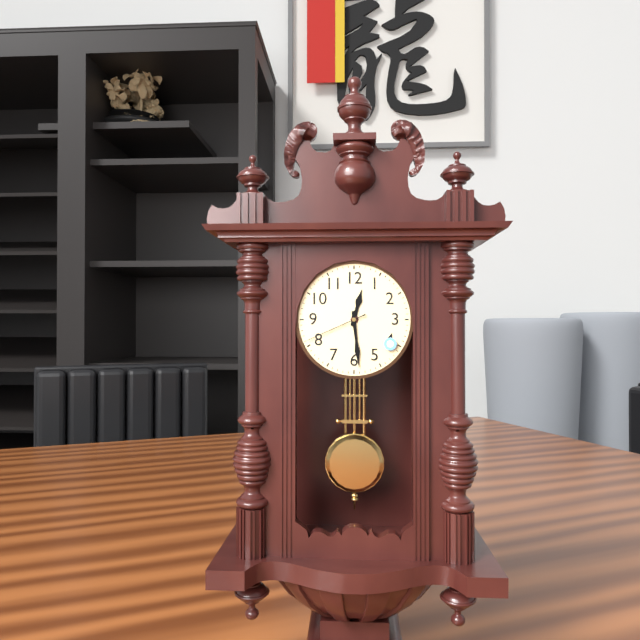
12.29.41
